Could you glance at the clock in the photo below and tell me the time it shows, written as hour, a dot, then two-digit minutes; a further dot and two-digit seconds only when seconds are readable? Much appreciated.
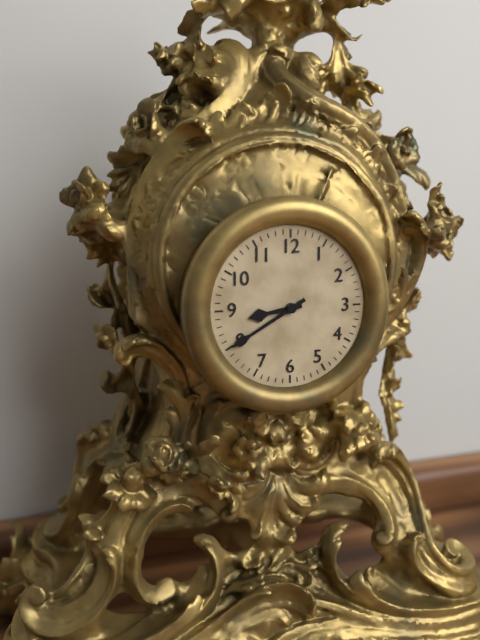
8.40
